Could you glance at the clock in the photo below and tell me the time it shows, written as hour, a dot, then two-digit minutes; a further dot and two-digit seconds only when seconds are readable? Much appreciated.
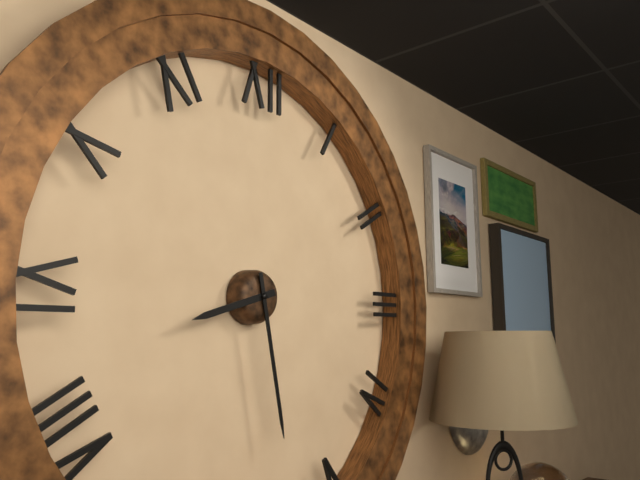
8.28
